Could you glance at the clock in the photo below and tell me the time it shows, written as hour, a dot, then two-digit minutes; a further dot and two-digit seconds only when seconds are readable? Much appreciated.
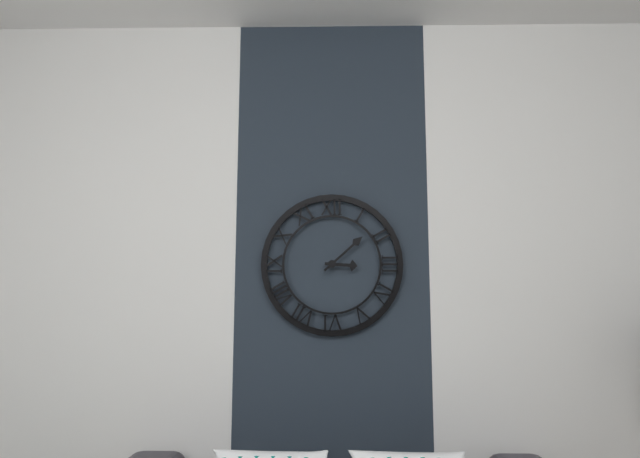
3.08
